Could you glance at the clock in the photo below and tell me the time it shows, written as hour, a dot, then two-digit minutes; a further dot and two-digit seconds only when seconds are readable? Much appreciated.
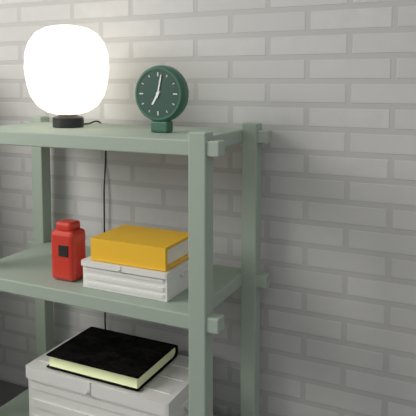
7.02
